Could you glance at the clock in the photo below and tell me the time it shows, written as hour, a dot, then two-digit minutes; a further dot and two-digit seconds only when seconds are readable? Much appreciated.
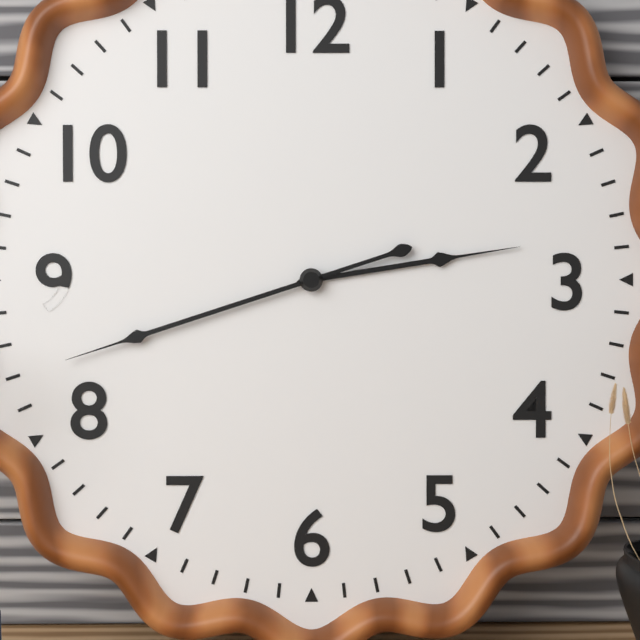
2.42
